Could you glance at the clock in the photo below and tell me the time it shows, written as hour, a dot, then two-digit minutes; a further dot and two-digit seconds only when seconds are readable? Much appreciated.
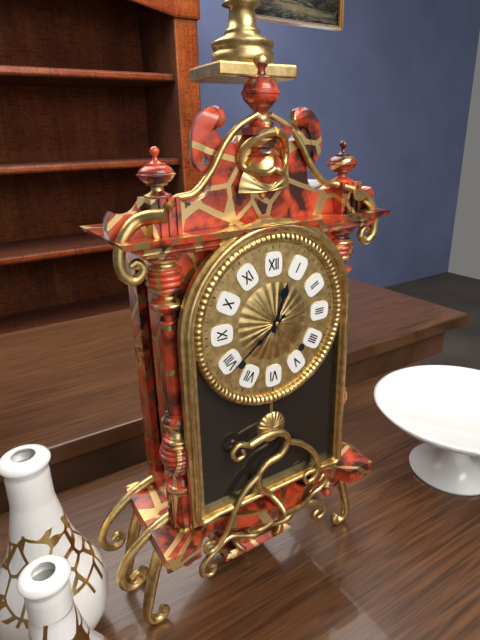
12.39
